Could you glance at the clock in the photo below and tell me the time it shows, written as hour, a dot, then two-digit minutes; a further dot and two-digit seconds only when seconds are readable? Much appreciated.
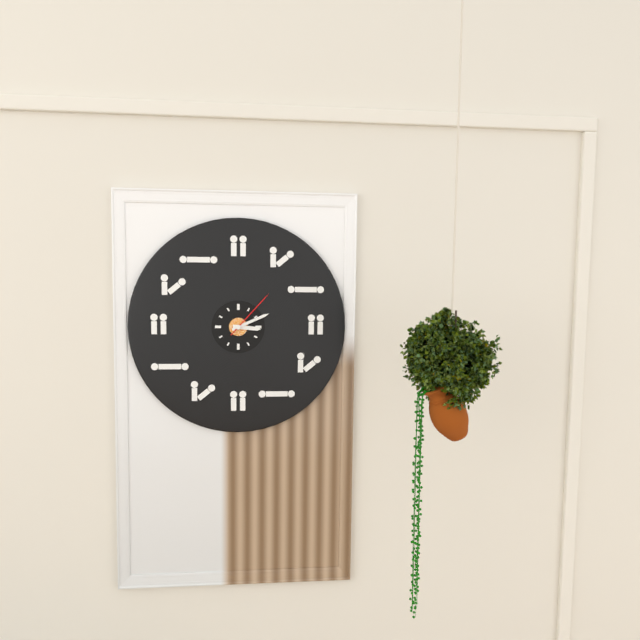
3.11.07
